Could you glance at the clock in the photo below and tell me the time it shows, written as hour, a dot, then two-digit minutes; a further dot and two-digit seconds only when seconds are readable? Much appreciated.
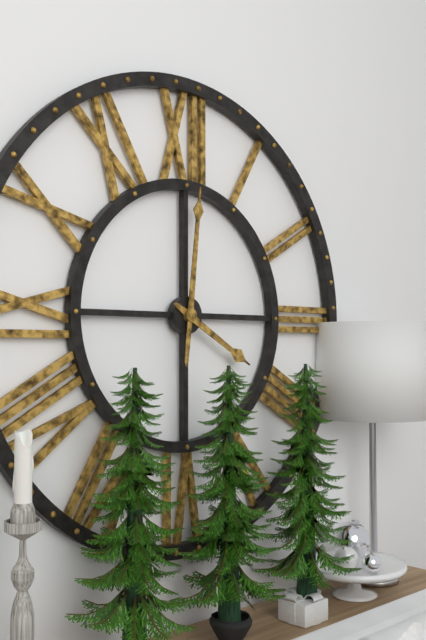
4.01
